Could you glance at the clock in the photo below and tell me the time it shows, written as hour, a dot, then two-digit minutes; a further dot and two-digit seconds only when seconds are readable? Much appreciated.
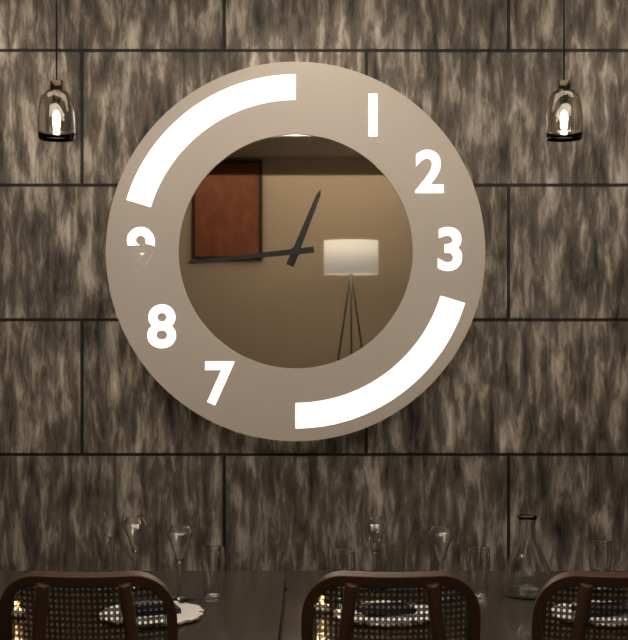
12.44
